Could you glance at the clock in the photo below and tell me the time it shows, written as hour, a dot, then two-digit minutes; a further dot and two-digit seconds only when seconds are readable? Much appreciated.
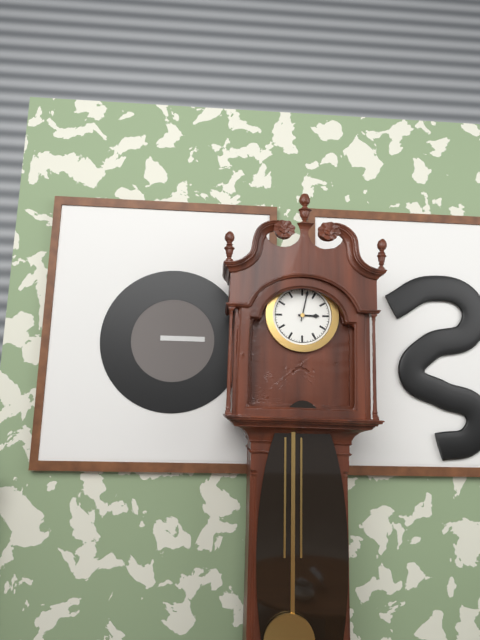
3.02
